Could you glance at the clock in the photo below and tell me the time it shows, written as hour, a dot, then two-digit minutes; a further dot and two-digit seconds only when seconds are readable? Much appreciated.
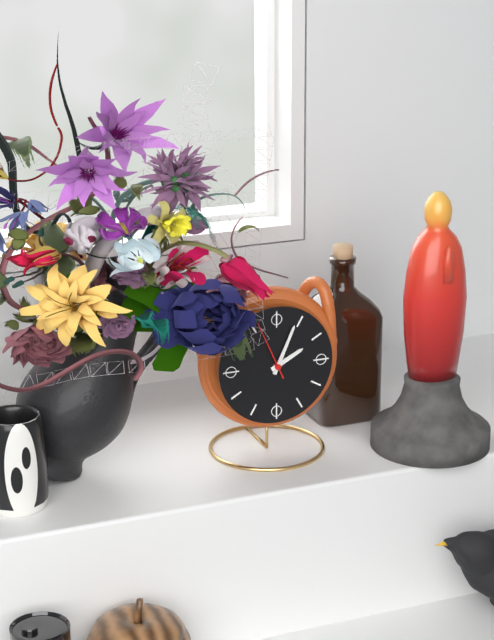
2.04
